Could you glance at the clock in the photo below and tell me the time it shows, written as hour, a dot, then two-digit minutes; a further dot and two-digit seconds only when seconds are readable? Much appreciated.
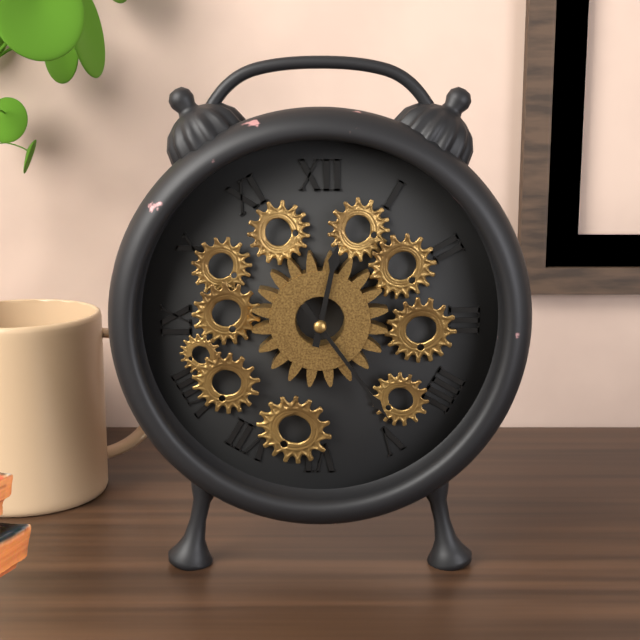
12.24
